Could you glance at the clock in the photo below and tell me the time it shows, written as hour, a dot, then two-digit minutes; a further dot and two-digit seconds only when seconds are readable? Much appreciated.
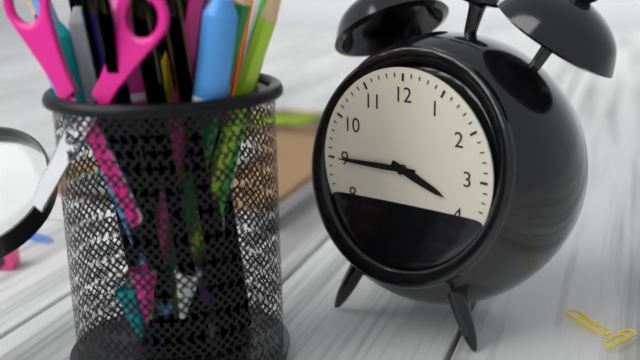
3.45
